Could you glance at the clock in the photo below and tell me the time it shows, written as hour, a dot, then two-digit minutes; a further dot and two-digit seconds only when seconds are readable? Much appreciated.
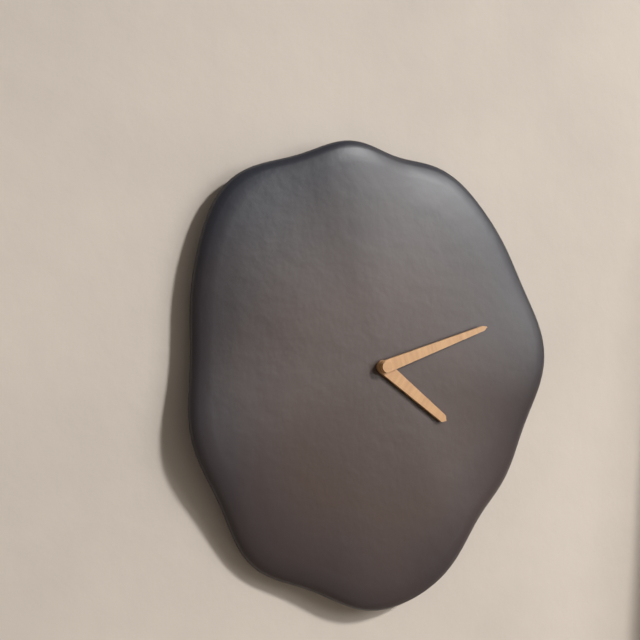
4.12
